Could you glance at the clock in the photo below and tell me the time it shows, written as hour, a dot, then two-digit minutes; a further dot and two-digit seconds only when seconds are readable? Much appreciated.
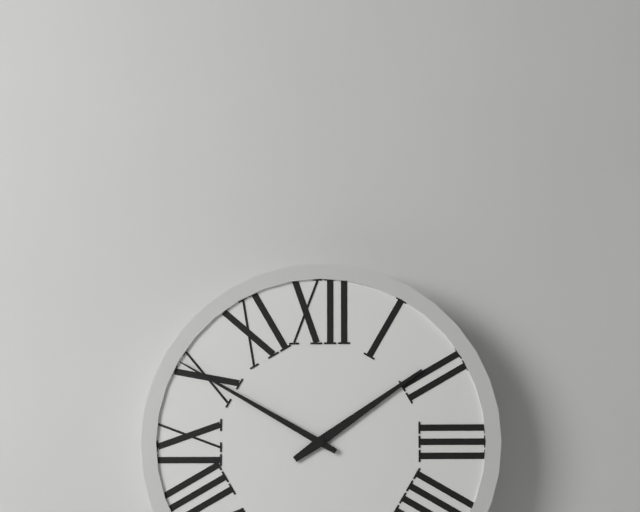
1.50
